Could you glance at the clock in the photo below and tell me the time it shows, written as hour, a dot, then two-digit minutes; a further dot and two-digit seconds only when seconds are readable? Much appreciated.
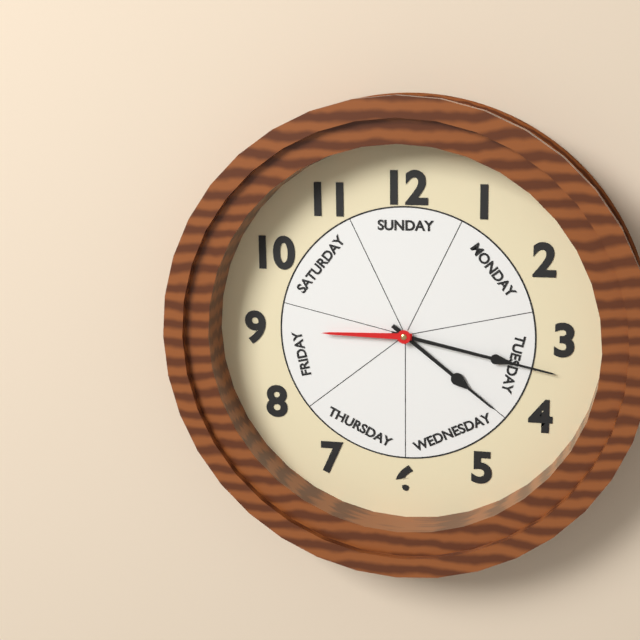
4.17.45
